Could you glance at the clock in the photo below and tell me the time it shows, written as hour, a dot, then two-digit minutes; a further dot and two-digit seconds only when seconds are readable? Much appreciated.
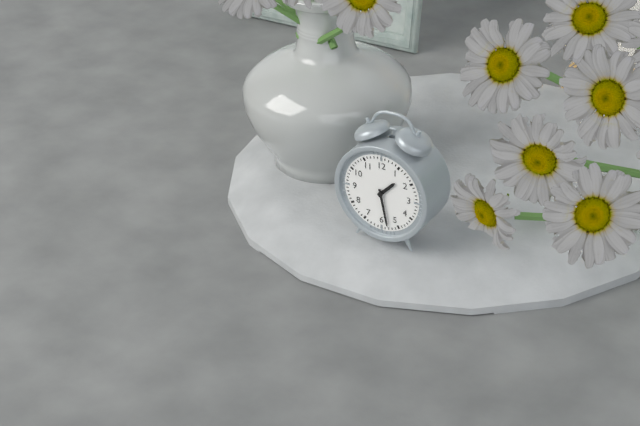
1.28
